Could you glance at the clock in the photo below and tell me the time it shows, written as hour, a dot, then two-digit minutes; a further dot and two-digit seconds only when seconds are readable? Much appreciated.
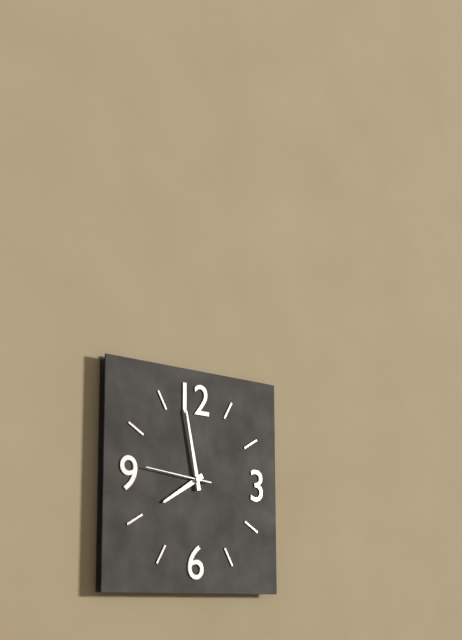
7.58.46
